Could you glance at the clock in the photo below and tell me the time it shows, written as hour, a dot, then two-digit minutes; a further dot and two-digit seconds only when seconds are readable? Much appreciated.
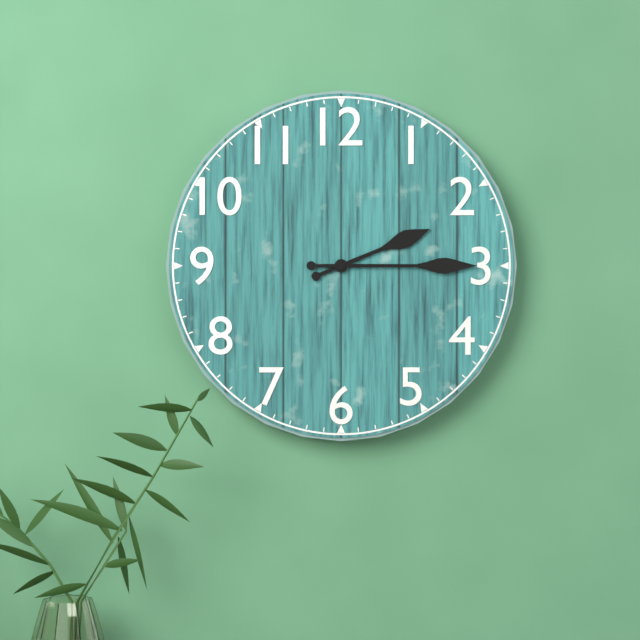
2.15
